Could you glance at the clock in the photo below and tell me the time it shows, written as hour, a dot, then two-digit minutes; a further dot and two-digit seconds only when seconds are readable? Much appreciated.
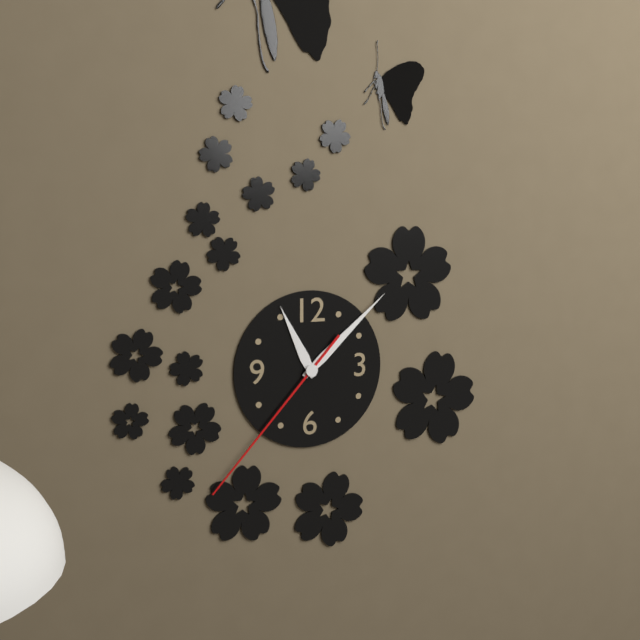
11.08.37
